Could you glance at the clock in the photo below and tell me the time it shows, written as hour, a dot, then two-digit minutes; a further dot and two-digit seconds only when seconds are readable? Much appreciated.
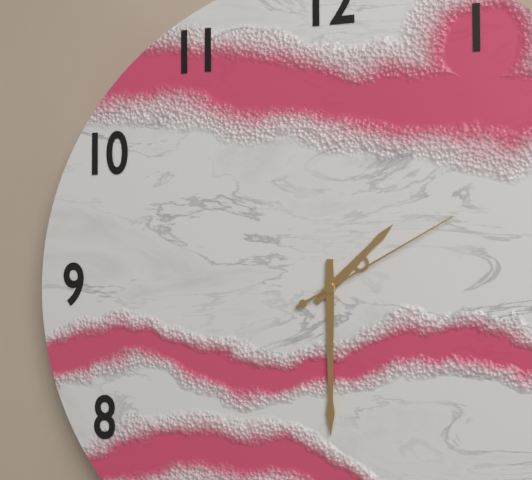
1.30.10
